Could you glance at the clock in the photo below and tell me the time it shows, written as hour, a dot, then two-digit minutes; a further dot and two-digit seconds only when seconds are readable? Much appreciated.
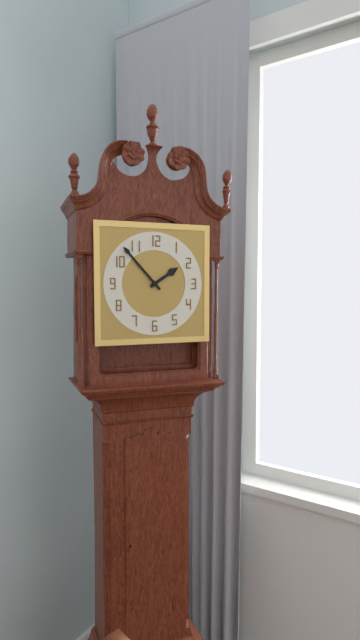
1.53
